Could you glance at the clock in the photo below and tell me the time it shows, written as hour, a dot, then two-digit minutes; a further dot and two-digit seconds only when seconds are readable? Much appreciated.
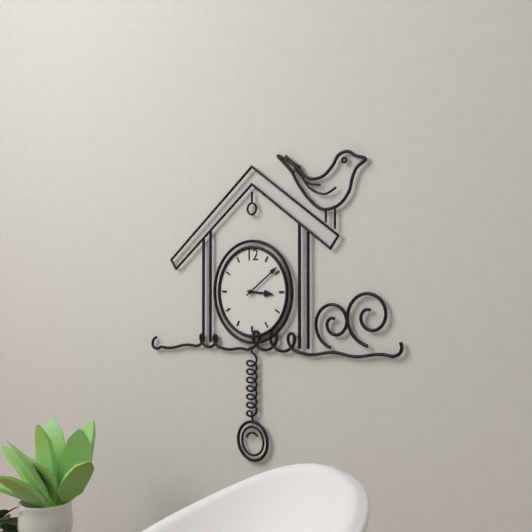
3.09
